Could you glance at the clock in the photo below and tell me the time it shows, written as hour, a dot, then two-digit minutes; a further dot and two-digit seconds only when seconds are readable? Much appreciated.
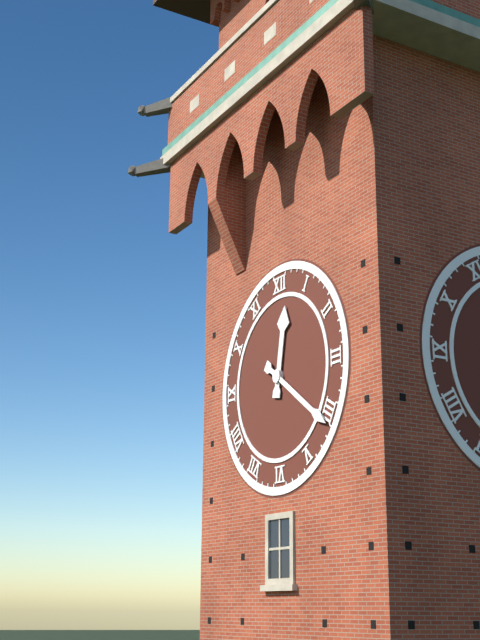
12.21
